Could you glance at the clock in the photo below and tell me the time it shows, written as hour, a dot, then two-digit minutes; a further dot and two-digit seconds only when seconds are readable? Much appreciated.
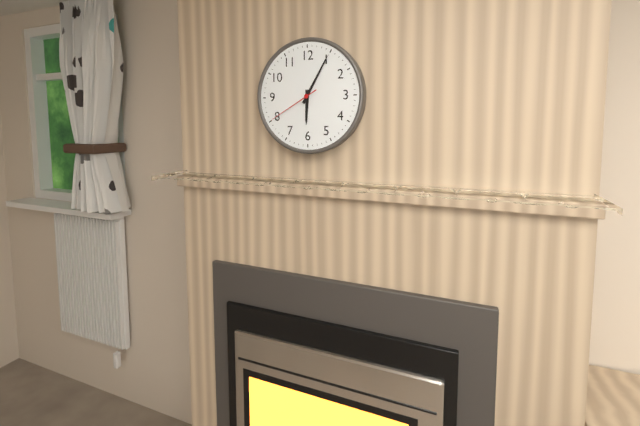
6.05.40
